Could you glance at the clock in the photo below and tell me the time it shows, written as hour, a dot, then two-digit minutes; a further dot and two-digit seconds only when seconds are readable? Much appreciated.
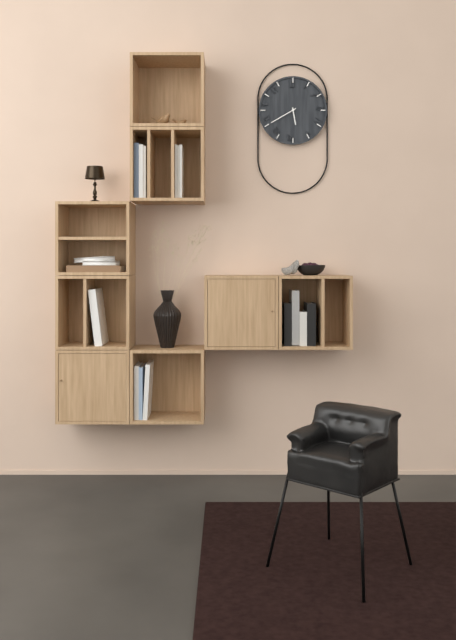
5.40
